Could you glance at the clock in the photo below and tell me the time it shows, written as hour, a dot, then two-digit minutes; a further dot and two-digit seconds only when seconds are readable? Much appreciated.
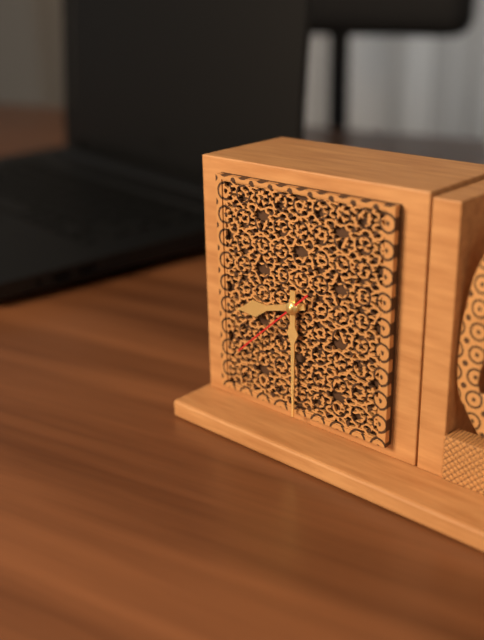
8.30.38
